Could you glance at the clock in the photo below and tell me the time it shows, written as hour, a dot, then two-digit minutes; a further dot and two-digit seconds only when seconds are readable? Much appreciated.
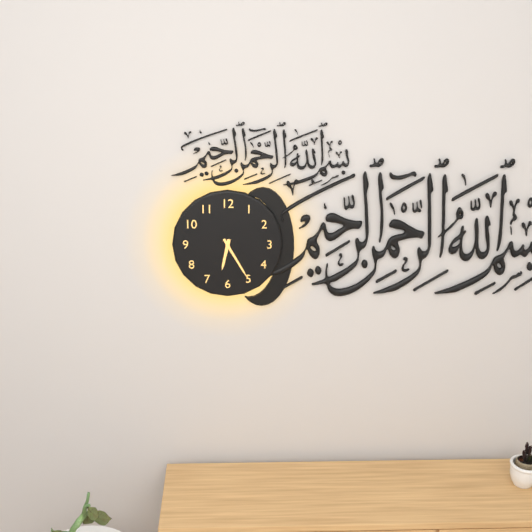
6.25
